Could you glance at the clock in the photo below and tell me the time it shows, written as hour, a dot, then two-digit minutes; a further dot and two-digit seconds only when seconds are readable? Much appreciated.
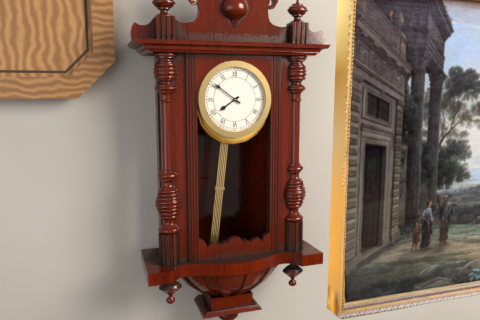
7.51
